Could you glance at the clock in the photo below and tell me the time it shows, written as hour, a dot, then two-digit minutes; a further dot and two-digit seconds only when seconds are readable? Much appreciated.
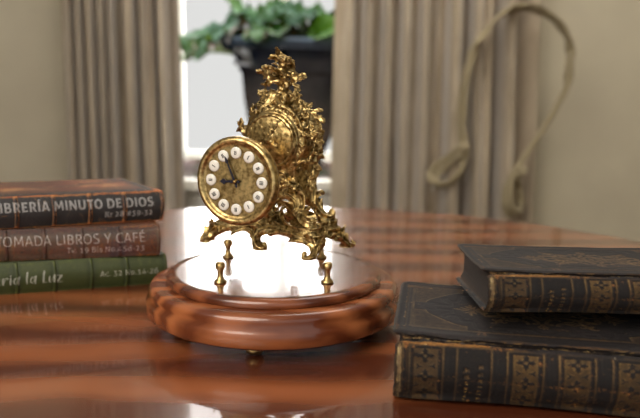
8.56
